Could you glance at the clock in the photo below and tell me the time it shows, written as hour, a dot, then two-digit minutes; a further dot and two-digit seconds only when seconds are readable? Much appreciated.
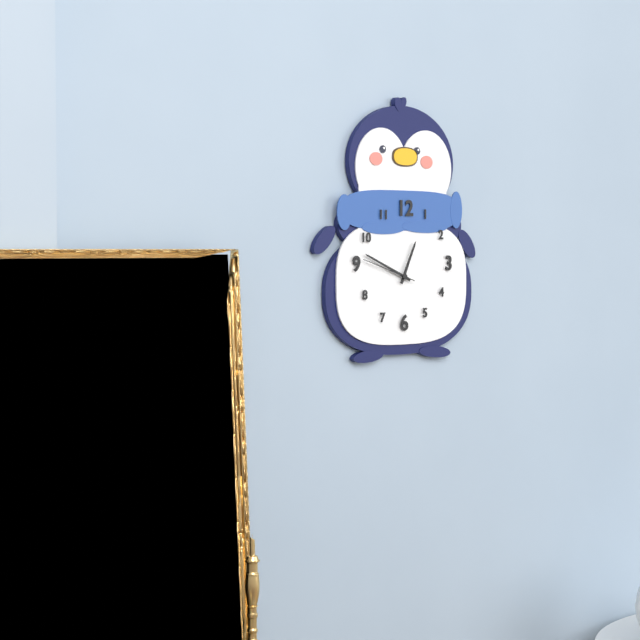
12.49.48
